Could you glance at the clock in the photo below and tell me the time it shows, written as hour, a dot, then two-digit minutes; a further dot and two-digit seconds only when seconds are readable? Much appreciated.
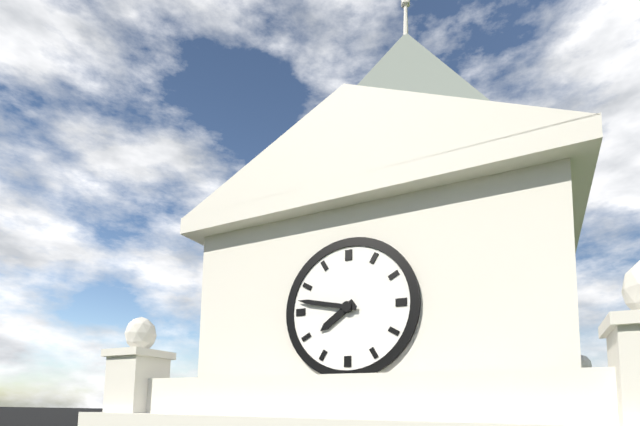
7.47
